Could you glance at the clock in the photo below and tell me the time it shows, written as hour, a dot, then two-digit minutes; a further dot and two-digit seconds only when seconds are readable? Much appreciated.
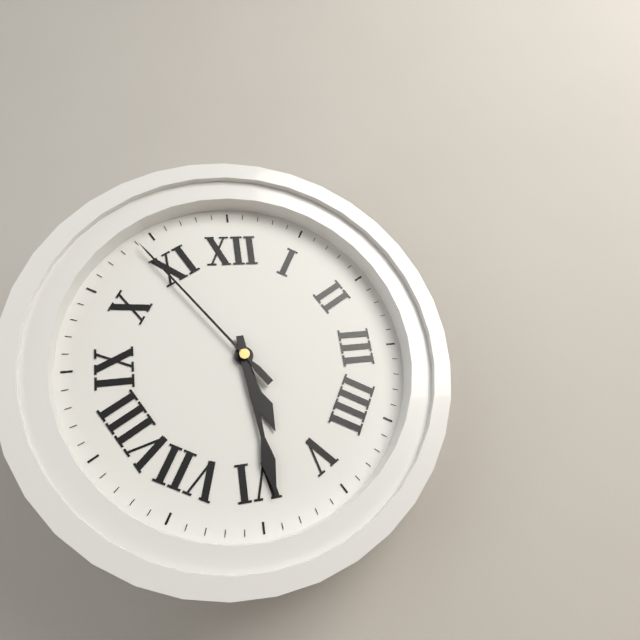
5.29.54
